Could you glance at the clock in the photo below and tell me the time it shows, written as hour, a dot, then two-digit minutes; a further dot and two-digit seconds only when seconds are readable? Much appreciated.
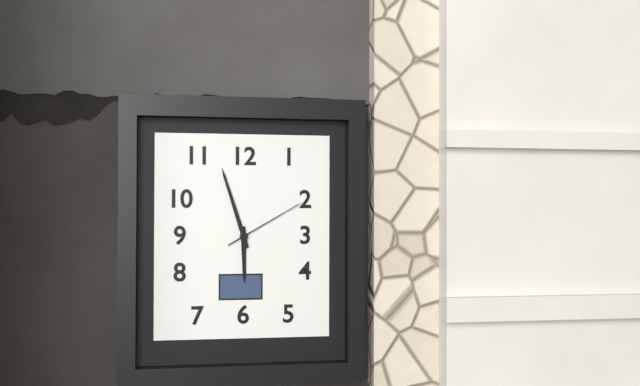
5.57.10
